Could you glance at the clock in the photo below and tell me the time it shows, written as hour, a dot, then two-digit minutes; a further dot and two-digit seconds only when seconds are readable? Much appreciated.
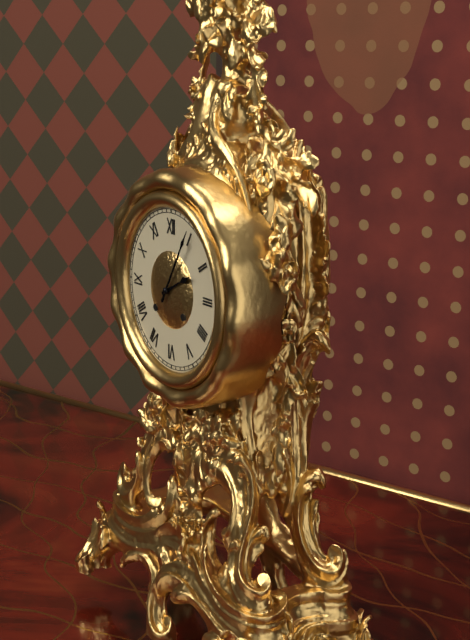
2.05
